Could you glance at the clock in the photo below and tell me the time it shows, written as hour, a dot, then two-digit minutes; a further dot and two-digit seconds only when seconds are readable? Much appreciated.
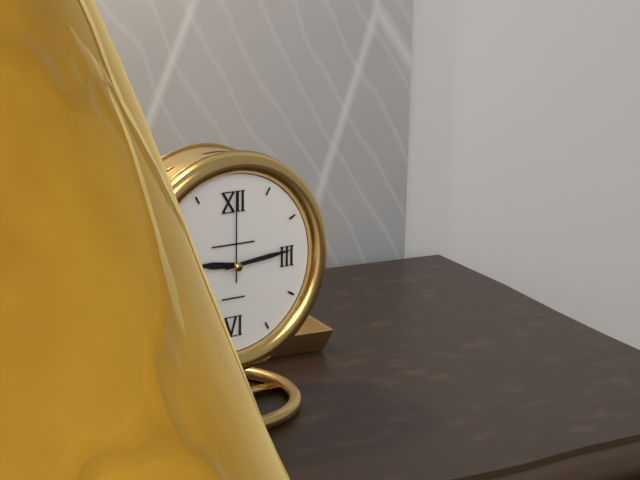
9.14.00
